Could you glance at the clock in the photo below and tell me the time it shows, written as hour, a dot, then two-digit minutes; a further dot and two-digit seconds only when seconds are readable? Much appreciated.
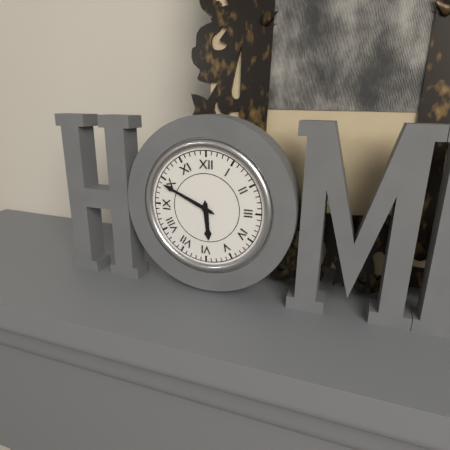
5.49
